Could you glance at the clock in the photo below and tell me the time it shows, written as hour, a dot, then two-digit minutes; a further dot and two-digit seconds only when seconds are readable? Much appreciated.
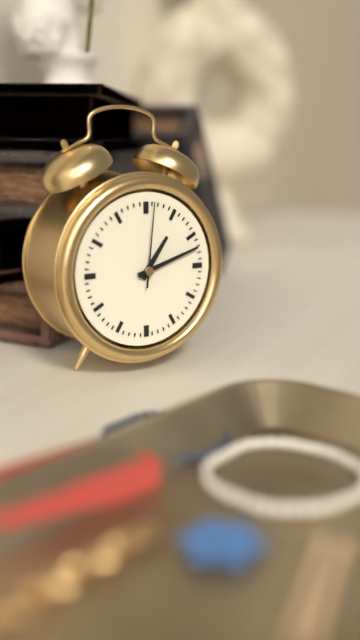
1.12.01
